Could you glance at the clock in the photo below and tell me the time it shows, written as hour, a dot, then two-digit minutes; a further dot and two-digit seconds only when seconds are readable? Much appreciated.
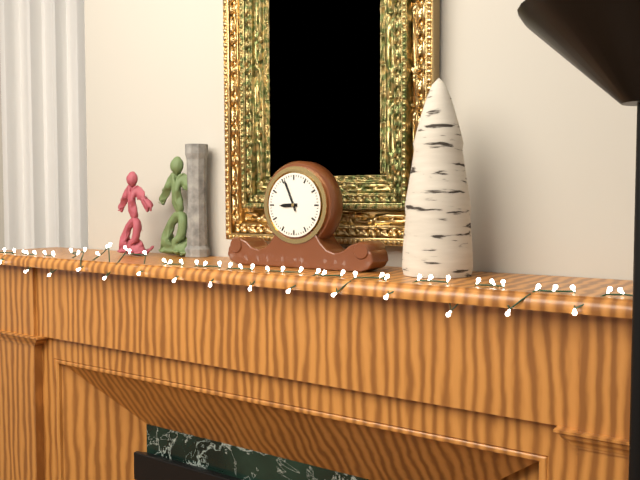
8.56
